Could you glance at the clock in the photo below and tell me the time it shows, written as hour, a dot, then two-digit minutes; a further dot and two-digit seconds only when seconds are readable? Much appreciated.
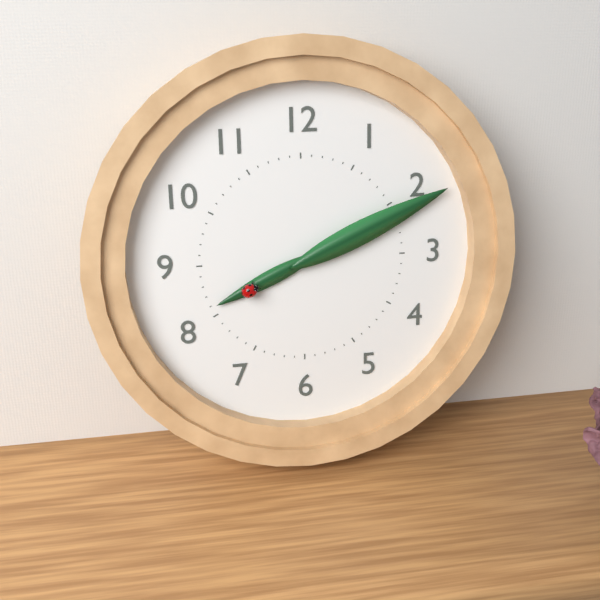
8.11
